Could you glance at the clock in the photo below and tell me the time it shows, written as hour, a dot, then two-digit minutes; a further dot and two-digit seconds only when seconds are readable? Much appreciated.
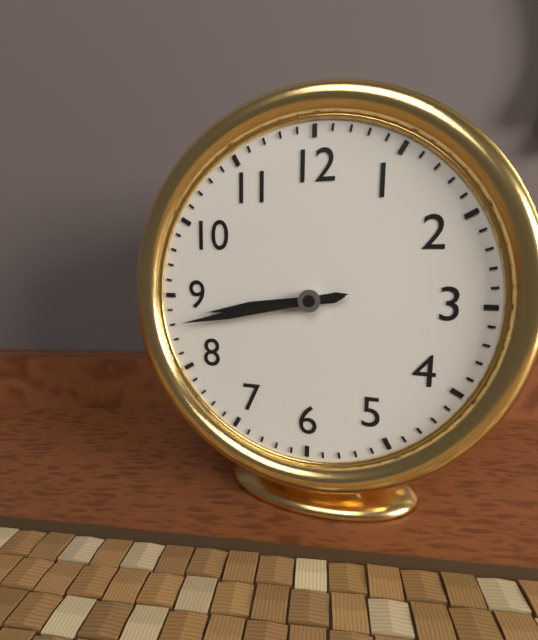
8.43
